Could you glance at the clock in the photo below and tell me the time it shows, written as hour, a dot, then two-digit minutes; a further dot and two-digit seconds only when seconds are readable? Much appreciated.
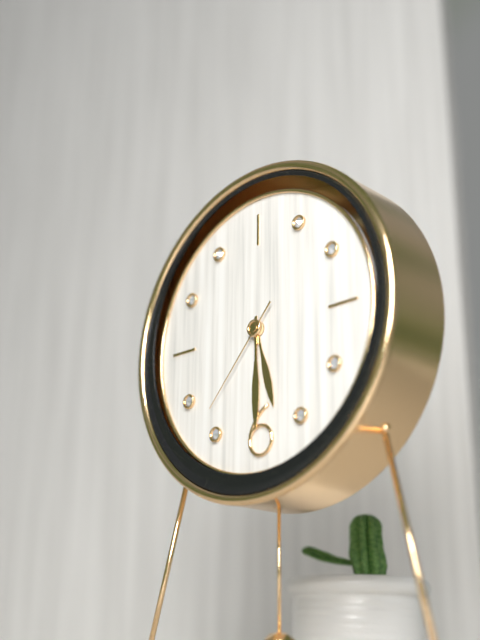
5.30.37
